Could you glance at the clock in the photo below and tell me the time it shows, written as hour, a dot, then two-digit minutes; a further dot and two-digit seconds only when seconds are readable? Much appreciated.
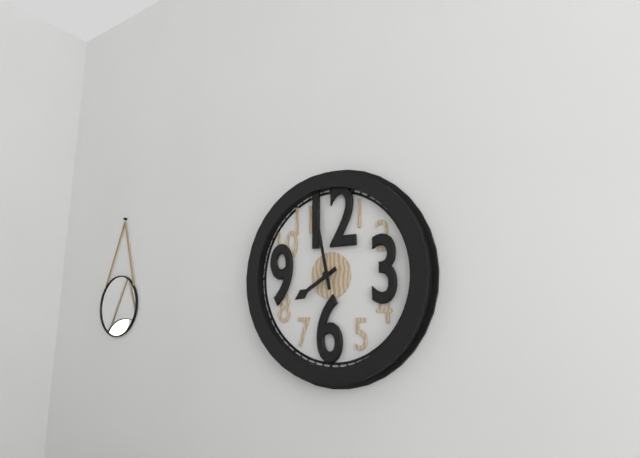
7.58
